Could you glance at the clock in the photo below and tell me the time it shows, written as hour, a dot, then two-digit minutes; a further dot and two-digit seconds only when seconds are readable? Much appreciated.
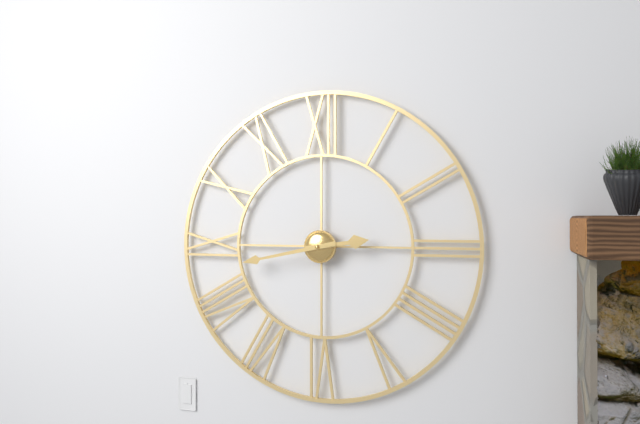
2.43
